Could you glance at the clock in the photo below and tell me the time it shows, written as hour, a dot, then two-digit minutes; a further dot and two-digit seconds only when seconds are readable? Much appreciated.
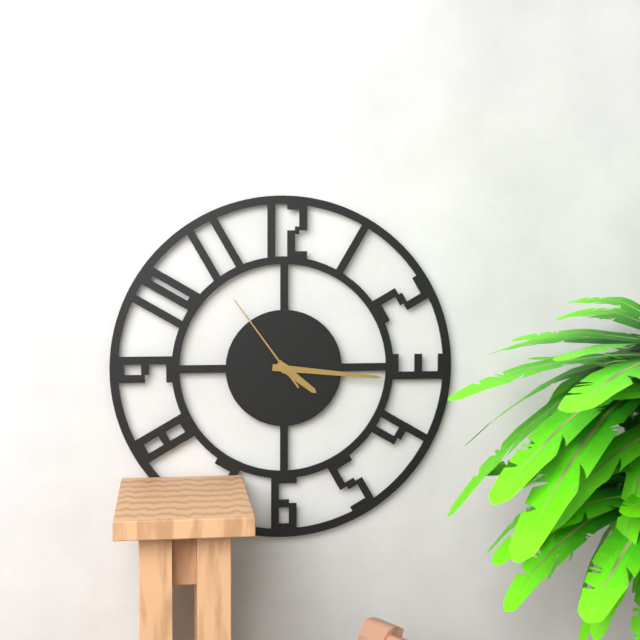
4.16.54
